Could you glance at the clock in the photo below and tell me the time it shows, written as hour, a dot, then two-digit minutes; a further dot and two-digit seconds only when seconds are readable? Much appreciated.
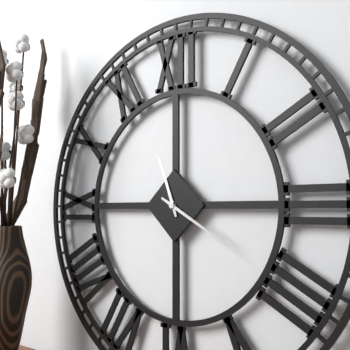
11.20
